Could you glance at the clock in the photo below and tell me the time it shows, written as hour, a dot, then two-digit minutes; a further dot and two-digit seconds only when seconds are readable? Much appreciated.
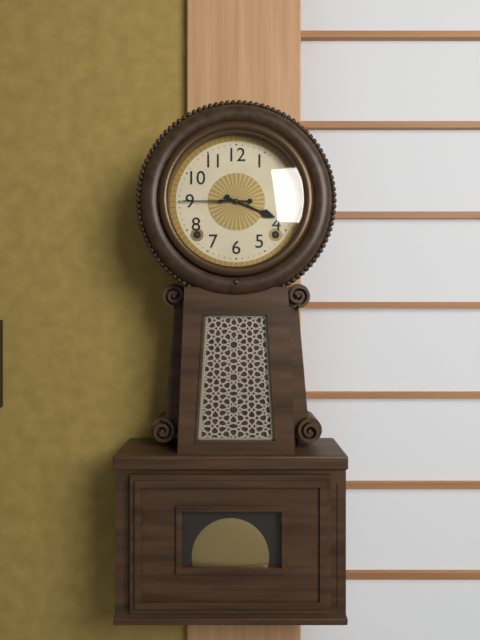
3.45
